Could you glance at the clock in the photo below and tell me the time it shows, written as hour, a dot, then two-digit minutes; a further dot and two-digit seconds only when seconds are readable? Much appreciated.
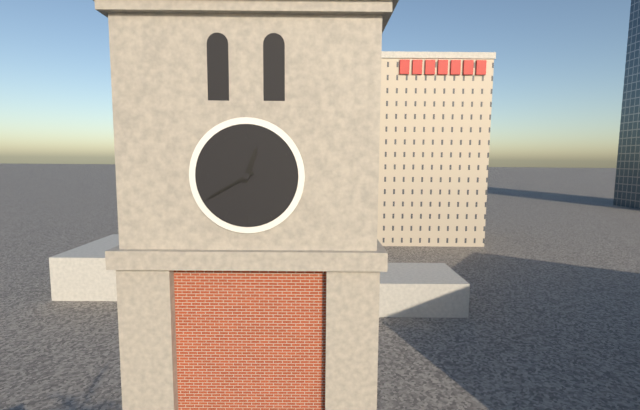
12.40
